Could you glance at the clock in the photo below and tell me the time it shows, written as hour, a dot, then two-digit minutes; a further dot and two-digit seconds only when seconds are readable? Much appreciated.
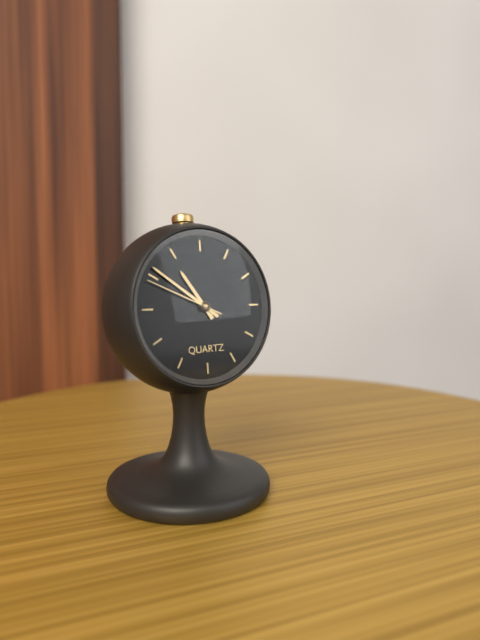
10.51.49
